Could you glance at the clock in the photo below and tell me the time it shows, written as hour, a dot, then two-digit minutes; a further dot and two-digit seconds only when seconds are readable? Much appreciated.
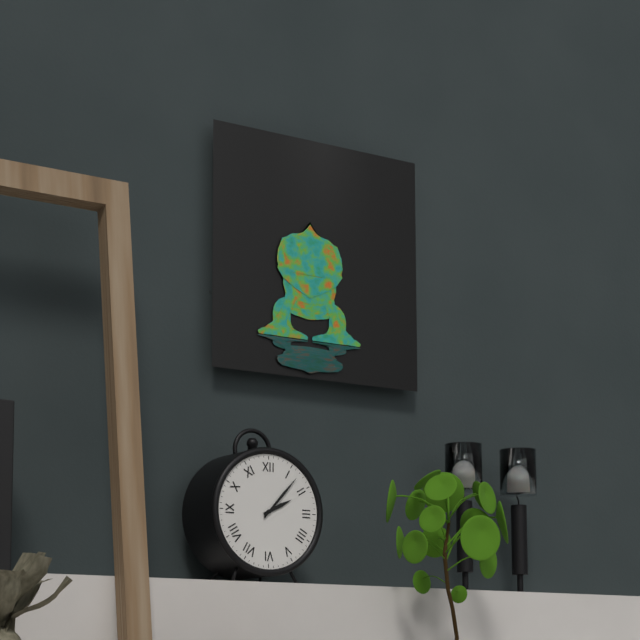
2.07
